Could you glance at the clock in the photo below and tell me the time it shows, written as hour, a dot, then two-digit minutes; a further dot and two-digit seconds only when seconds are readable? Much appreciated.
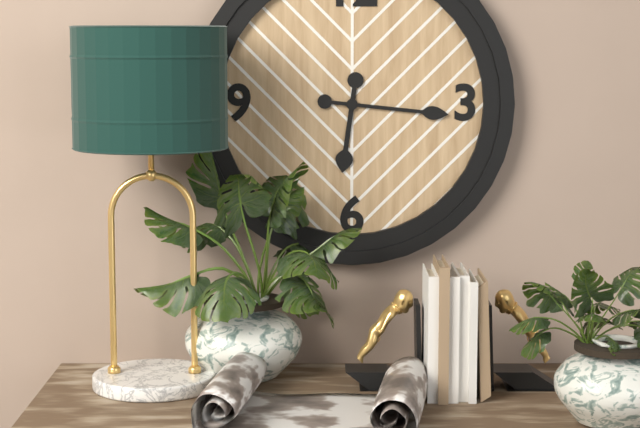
6.16
